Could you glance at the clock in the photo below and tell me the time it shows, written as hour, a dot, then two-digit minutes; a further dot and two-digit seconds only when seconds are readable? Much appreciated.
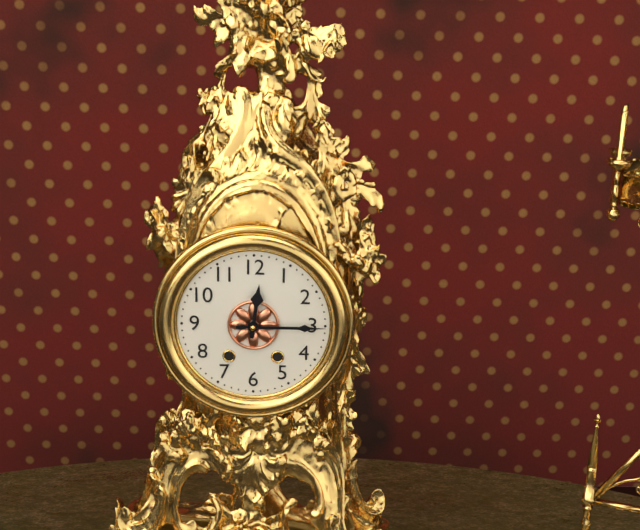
12.15
